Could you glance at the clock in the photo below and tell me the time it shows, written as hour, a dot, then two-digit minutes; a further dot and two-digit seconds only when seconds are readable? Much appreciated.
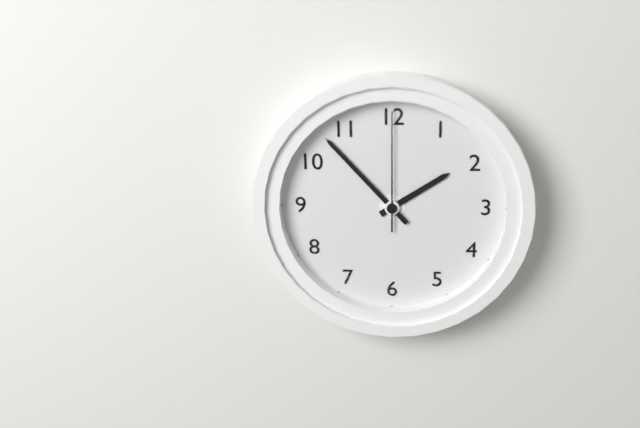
1.53.00
